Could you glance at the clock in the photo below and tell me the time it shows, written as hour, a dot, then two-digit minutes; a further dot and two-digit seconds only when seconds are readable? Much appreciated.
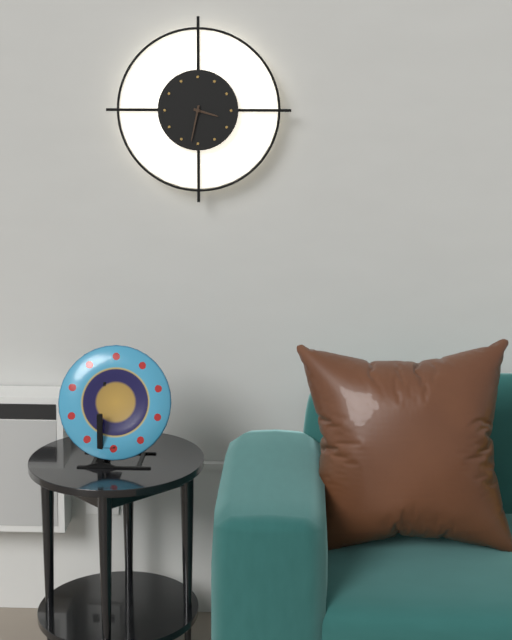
3.32
